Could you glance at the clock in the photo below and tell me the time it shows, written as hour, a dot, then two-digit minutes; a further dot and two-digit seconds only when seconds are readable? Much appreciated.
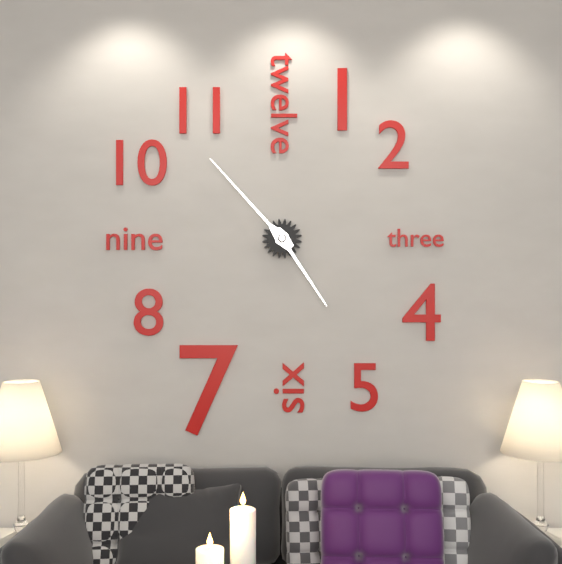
4.53
